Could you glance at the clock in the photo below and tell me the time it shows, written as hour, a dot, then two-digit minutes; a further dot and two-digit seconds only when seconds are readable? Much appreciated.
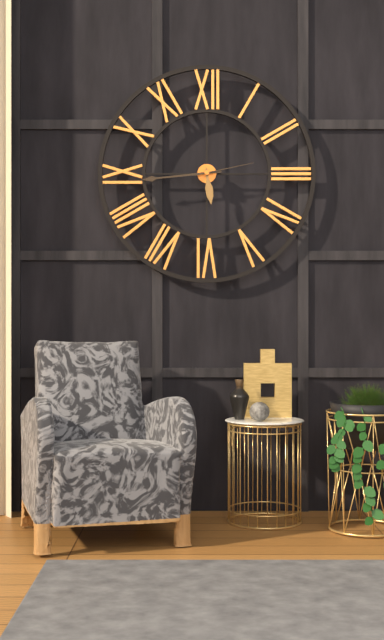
5.44.13
